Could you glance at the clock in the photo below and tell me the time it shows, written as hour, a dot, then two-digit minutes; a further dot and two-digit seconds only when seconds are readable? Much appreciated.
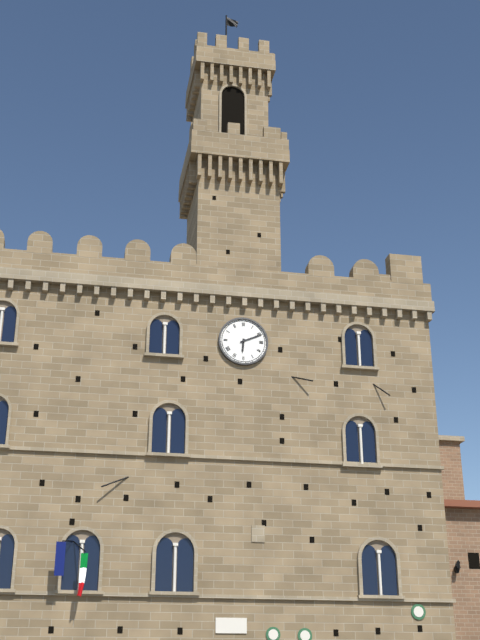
6.11
